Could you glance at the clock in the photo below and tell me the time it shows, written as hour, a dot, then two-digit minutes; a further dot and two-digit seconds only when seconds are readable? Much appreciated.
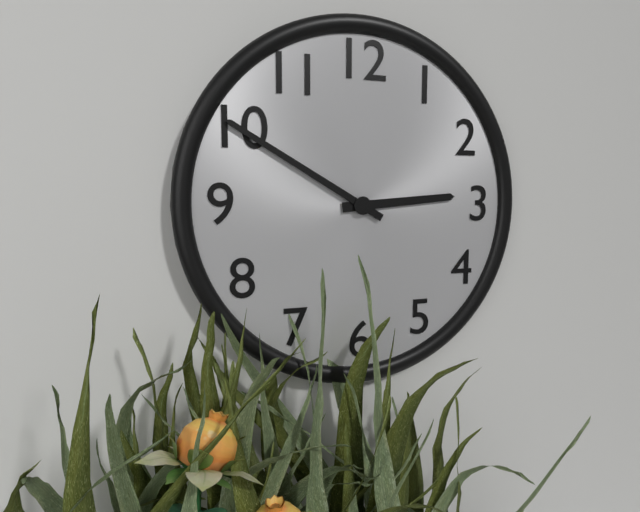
2.50
